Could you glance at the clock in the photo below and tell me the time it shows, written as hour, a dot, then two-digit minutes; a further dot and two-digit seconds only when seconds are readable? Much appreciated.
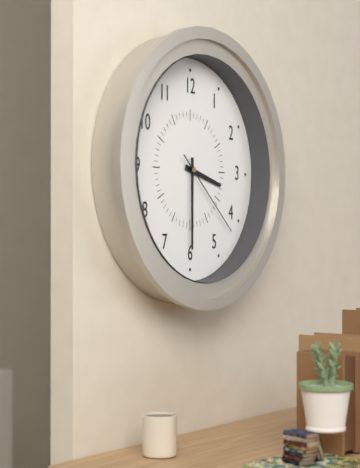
3.30.22
